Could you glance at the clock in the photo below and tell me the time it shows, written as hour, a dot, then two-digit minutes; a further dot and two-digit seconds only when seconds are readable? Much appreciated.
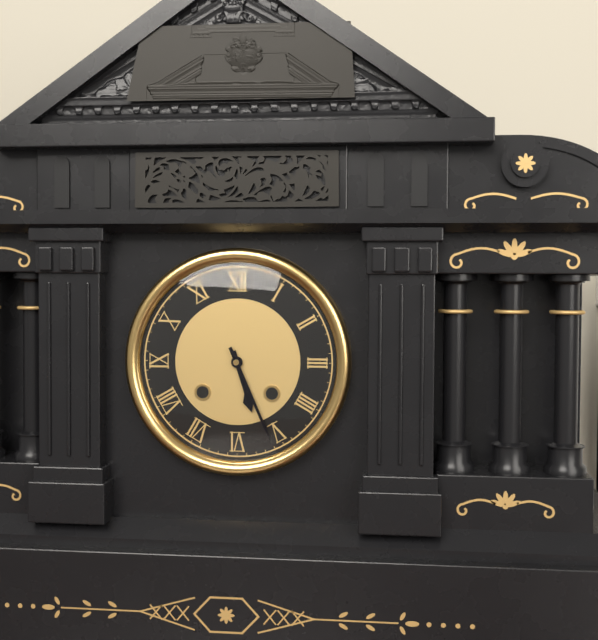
5.26
